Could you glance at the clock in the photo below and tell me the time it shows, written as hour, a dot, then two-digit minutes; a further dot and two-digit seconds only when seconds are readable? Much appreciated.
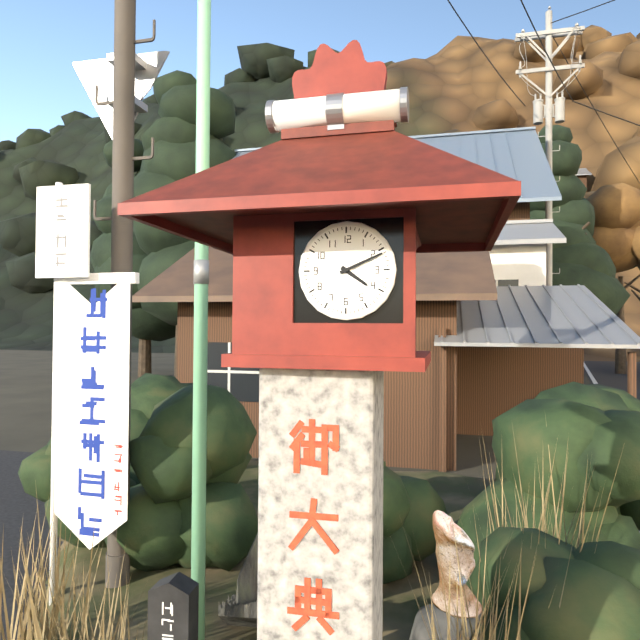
4.11
